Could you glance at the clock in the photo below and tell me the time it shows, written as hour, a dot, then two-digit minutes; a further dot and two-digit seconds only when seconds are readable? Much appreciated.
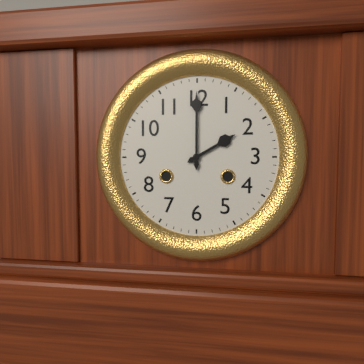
2.00
